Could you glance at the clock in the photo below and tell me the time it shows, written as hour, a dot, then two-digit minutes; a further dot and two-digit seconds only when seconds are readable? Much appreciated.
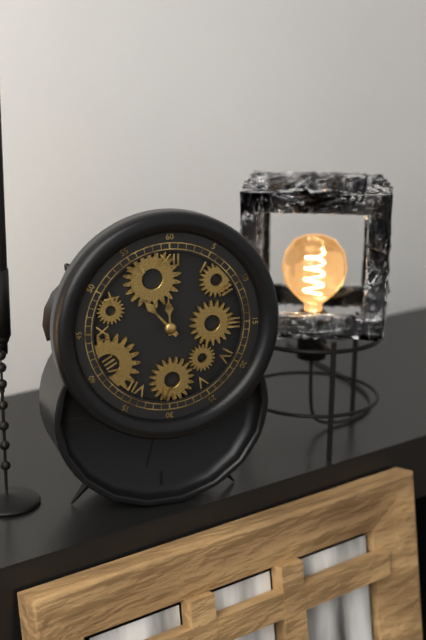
11.53
